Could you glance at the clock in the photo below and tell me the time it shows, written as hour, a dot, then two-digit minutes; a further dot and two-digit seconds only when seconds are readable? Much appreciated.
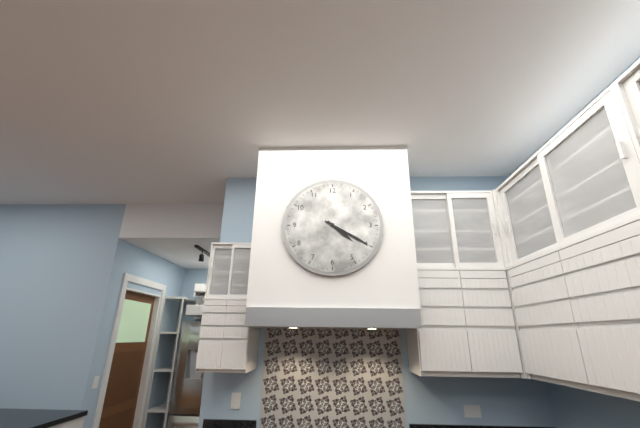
4.20
